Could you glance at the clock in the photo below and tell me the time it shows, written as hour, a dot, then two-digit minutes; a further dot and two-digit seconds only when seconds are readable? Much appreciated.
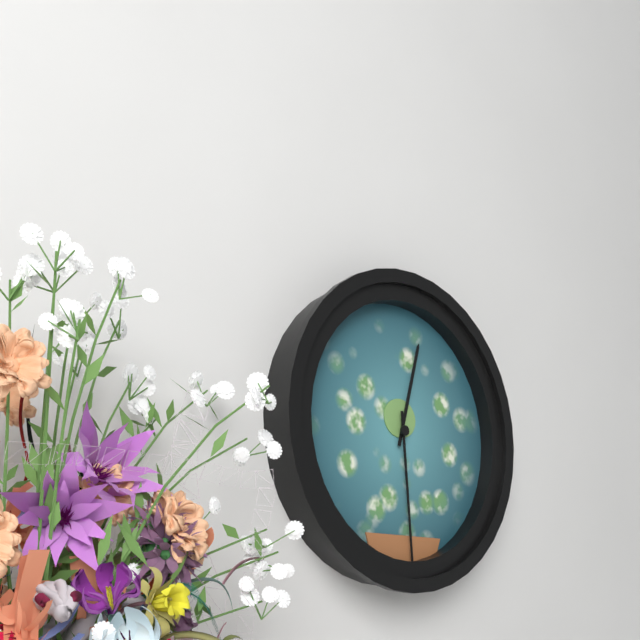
12.29
